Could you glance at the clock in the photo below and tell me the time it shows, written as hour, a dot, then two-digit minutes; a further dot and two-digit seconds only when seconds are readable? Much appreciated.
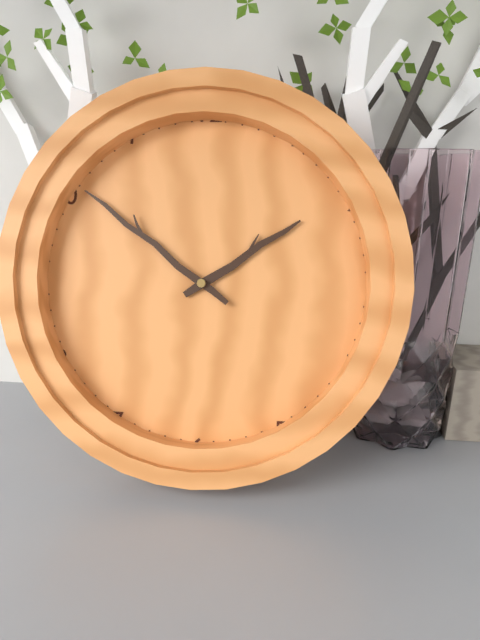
1.51
